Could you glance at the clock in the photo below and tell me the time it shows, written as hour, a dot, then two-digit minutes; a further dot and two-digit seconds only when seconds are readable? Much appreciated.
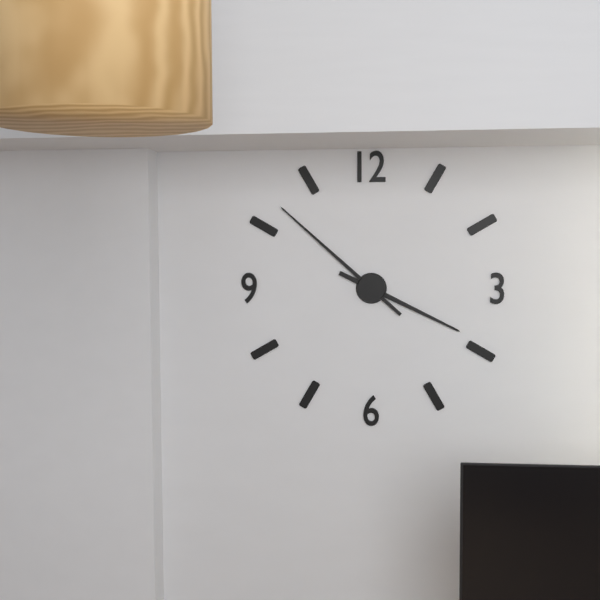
3.52
